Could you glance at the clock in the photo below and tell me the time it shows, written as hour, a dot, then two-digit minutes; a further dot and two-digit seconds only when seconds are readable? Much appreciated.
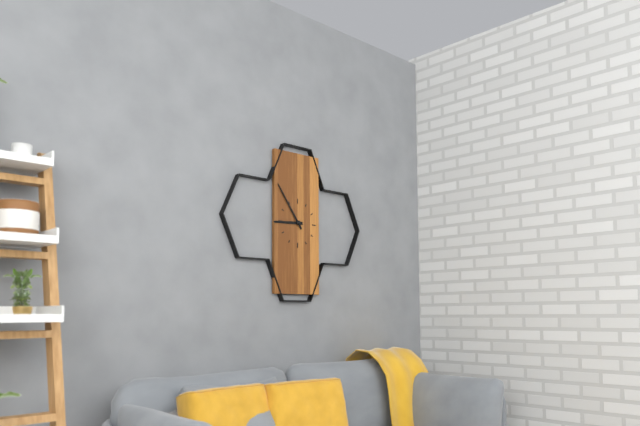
8.54
